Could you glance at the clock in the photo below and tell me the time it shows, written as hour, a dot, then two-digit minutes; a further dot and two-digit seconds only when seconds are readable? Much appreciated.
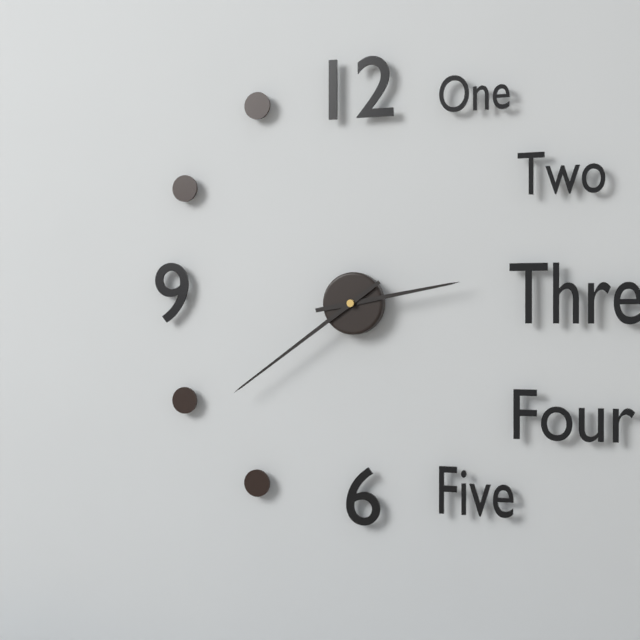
2.39
